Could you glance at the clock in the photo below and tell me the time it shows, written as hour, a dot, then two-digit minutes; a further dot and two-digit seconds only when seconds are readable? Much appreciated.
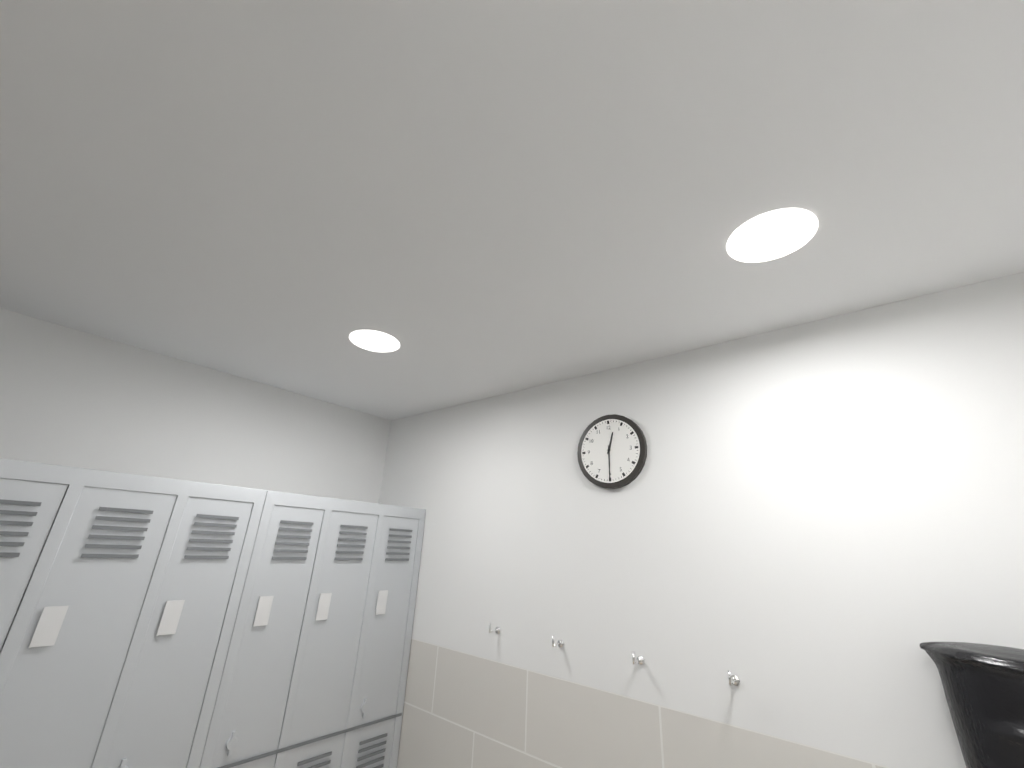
12.30
